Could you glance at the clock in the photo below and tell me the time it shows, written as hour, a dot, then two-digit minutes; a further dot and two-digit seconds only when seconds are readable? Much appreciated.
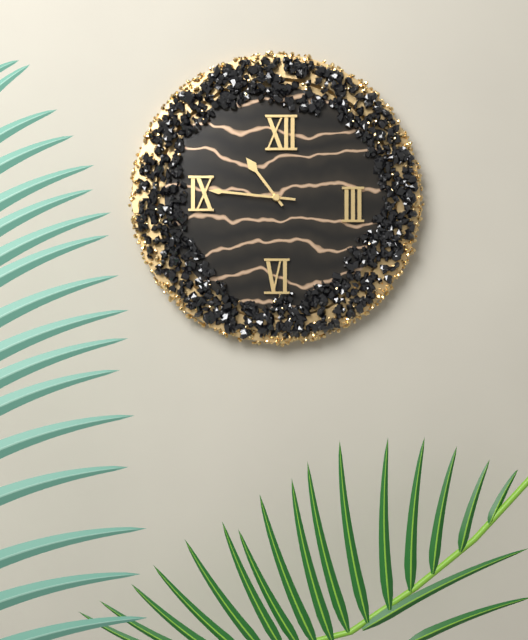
10.46
